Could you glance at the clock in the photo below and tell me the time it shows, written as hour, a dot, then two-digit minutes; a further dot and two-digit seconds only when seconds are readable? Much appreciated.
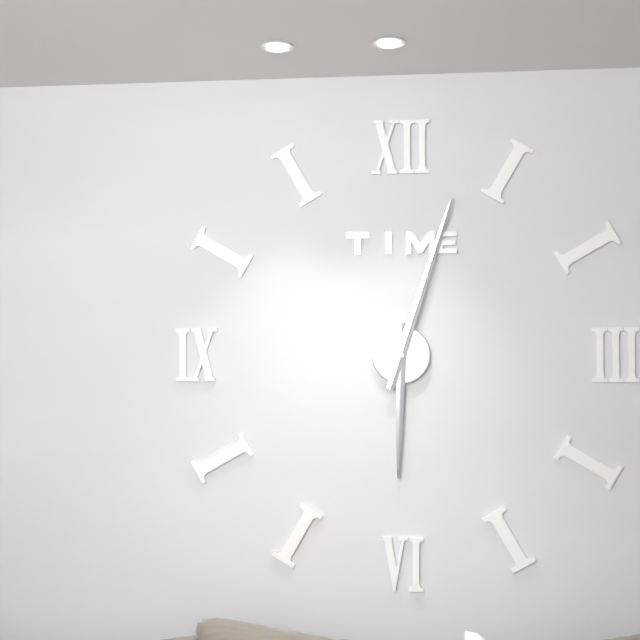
6.03
